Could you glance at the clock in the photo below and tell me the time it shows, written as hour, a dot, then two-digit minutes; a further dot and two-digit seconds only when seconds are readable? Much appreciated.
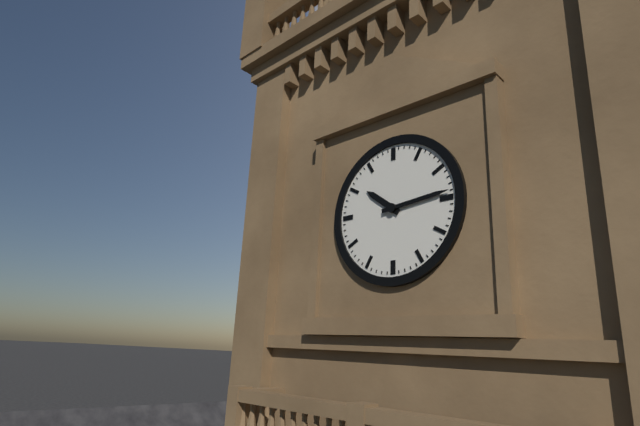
10.14
